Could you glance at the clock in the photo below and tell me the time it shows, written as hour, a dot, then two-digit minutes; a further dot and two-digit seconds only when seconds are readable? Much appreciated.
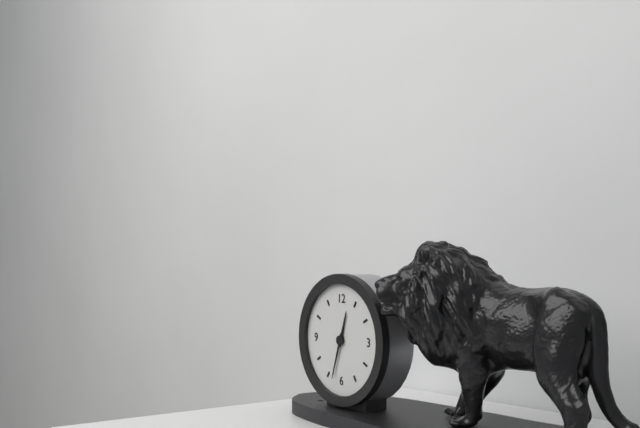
12.33
